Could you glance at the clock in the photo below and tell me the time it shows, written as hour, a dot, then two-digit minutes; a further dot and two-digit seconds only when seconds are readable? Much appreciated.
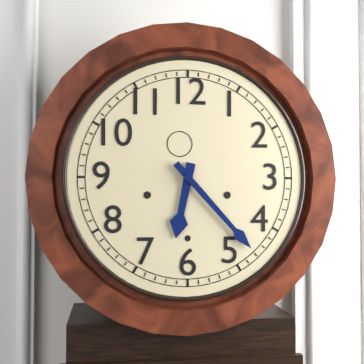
6.23
